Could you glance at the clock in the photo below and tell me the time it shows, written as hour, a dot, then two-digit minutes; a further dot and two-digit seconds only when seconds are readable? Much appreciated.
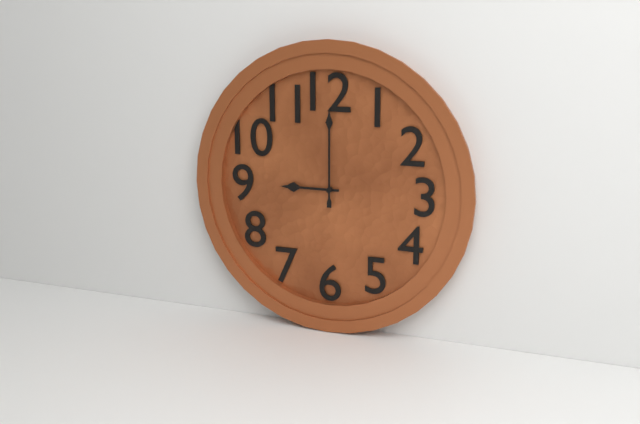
9.00
